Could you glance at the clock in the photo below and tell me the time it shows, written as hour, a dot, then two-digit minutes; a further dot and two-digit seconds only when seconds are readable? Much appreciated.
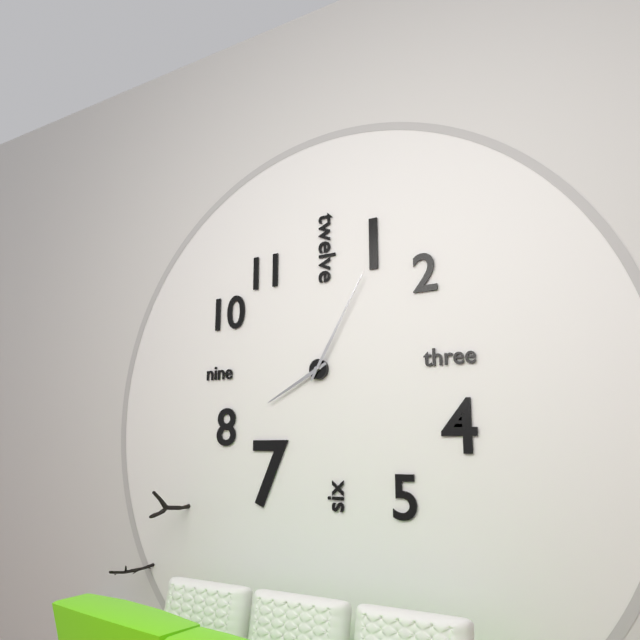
8.05
